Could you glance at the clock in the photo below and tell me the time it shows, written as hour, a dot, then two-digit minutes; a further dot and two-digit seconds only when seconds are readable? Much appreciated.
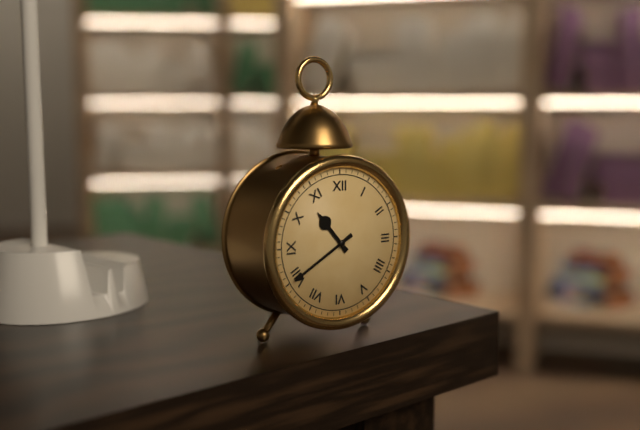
10.40
